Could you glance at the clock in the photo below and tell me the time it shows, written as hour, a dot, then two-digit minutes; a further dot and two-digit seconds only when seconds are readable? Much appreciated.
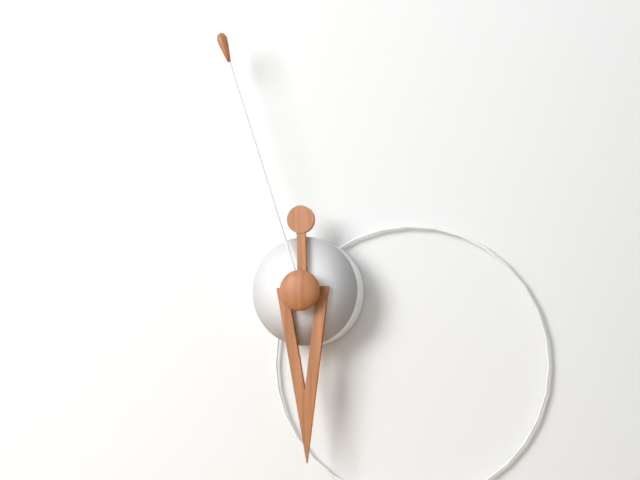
5.57
